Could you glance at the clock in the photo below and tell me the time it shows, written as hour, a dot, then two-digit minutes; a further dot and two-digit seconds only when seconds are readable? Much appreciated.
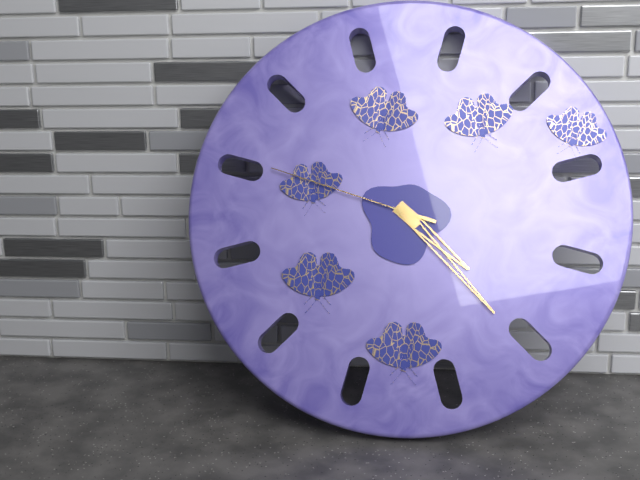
4.23.48
